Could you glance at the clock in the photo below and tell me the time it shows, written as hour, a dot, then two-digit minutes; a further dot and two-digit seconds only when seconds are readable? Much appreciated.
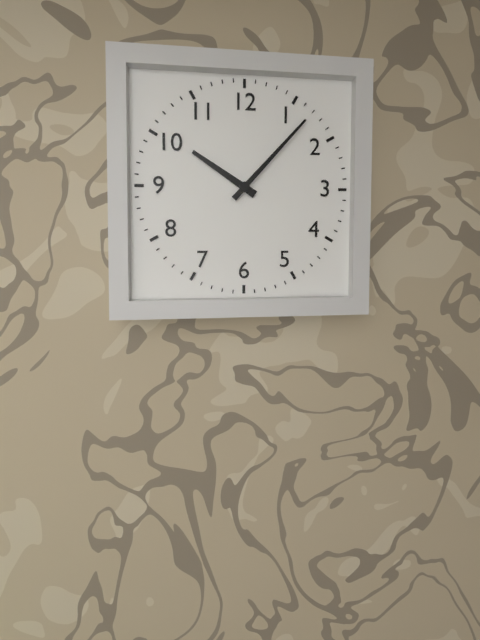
10.07
